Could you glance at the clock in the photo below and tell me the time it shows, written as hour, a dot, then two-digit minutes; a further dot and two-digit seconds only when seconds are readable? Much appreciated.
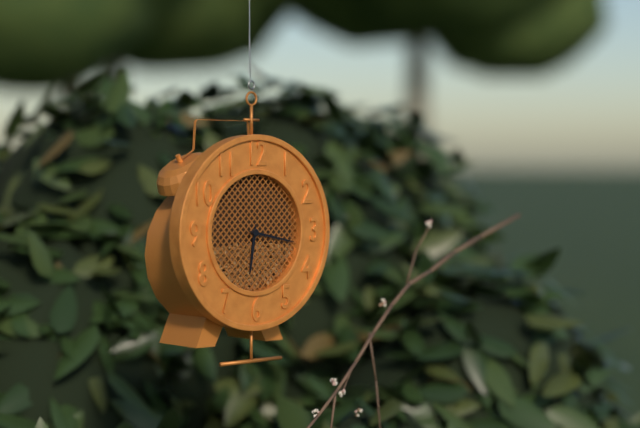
6.17
